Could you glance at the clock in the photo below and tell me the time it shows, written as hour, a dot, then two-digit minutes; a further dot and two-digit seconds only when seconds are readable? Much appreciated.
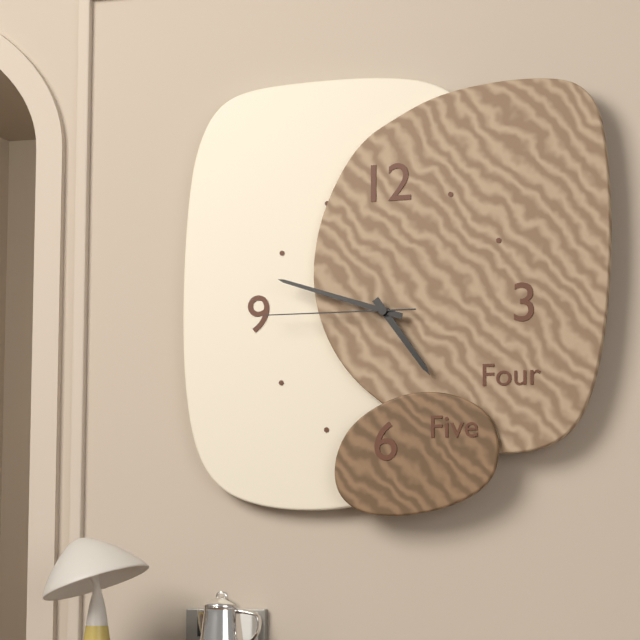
4.48.45
